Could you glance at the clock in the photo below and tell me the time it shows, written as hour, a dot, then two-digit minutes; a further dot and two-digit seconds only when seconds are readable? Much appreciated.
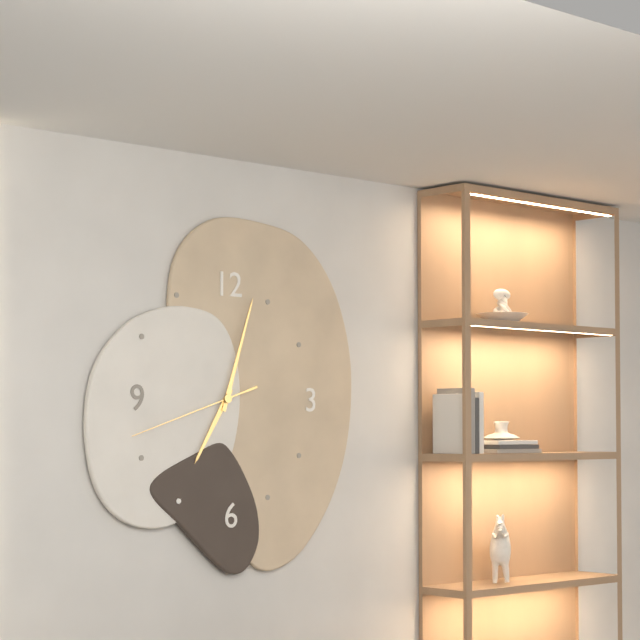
7.03.42
